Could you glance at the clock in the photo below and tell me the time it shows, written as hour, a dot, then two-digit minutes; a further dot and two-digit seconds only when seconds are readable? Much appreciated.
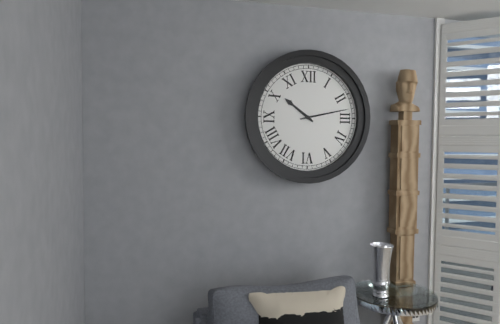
10.13
